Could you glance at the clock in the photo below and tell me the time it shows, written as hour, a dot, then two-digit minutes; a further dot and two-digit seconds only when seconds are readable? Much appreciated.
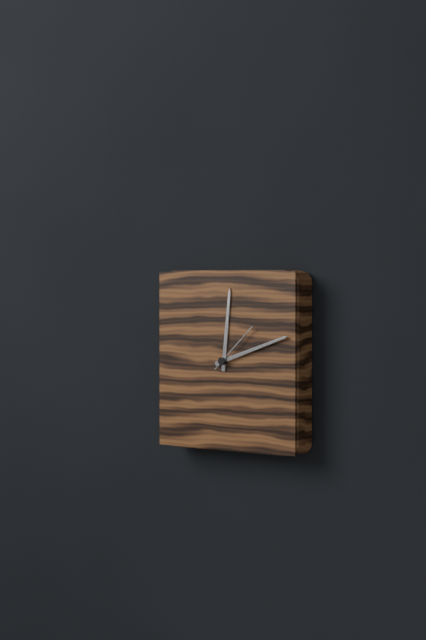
12.12.08
